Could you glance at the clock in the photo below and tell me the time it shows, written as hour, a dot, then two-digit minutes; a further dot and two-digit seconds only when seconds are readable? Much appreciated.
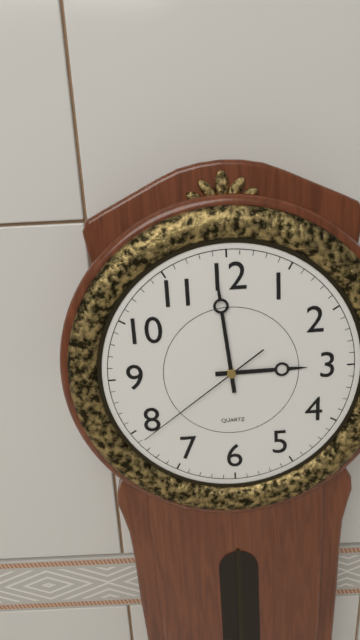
2.59.39
